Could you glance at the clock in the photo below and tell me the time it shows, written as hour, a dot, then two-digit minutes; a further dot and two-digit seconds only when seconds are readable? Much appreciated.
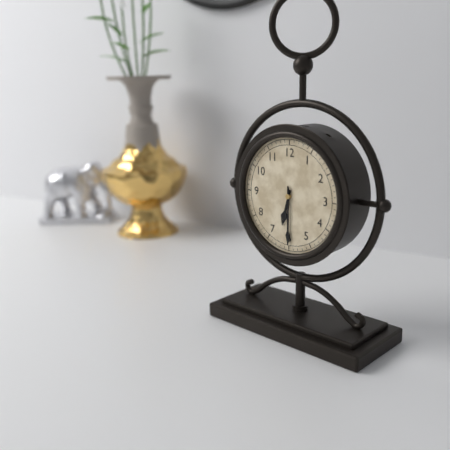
6.30
